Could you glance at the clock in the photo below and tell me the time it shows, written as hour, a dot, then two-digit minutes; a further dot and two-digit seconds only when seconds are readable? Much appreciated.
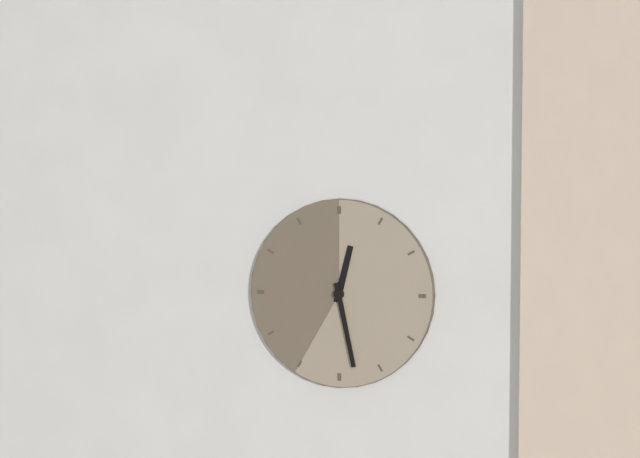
12.28
